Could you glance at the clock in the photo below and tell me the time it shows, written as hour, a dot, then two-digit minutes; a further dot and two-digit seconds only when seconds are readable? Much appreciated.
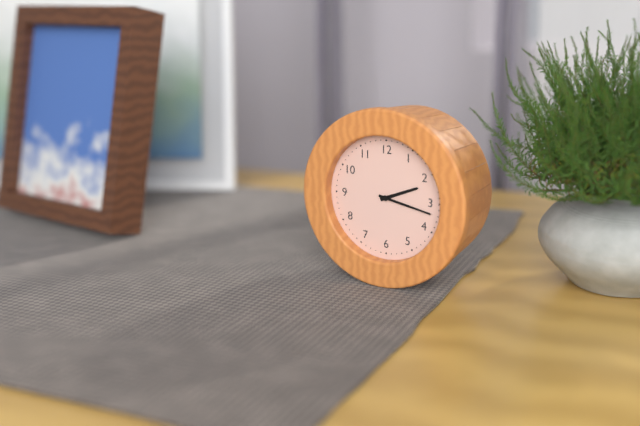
2.17
